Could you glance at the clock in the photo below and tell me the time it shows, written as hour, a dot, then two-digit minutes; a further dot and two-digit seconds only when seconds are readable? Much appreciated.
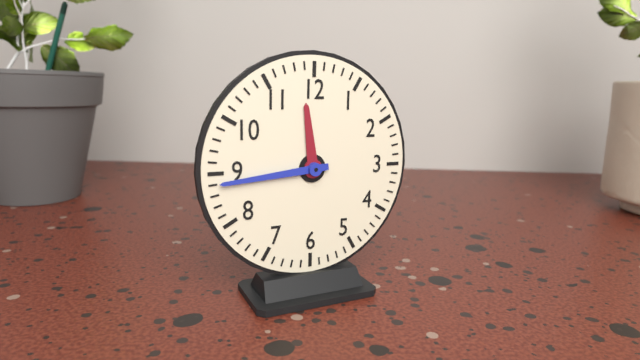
11.44
